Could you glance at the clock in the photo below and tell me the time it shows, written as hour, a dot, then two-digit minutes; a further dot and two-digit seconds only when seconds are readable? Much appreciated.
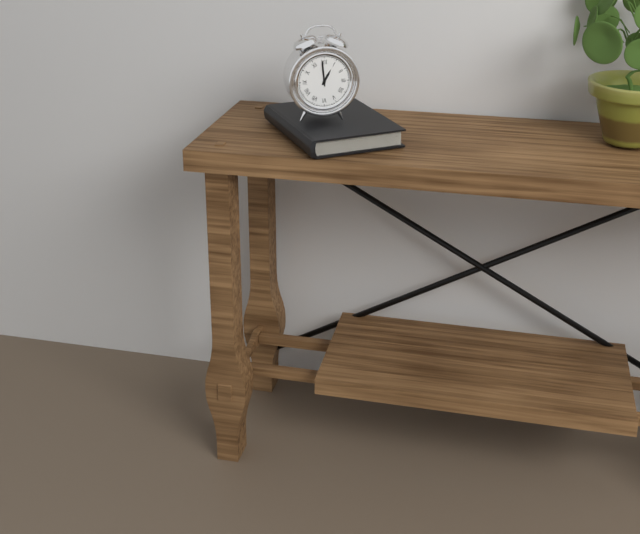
12.59
